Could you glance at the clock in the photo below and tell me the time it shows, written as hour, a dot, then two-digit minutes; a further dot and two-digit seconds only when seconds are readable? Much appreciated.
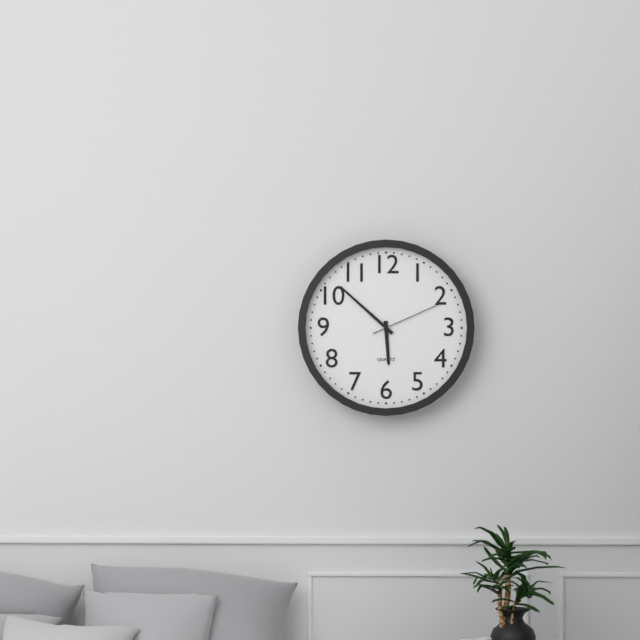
5.52.11
